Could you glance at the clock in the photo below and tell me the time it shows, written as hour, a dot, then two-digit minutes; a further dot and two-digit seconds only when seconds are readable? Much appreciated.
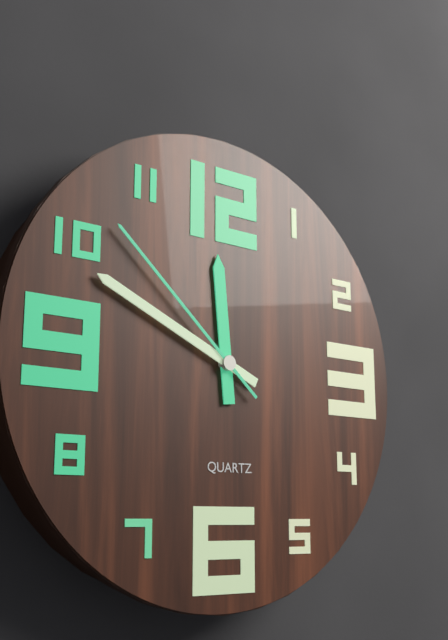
11.49.52
